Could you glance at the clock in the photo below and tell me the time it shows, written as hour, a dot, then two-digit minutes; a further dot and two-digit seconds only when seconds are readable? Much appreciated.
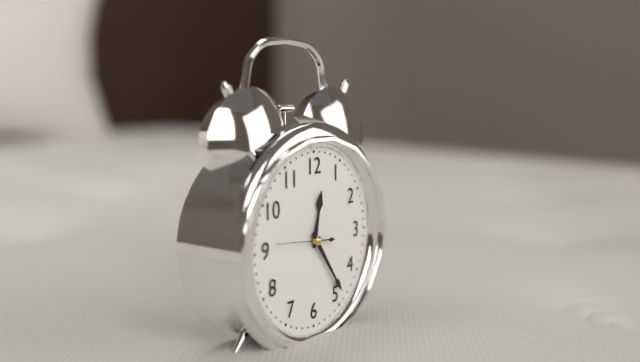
12.24
